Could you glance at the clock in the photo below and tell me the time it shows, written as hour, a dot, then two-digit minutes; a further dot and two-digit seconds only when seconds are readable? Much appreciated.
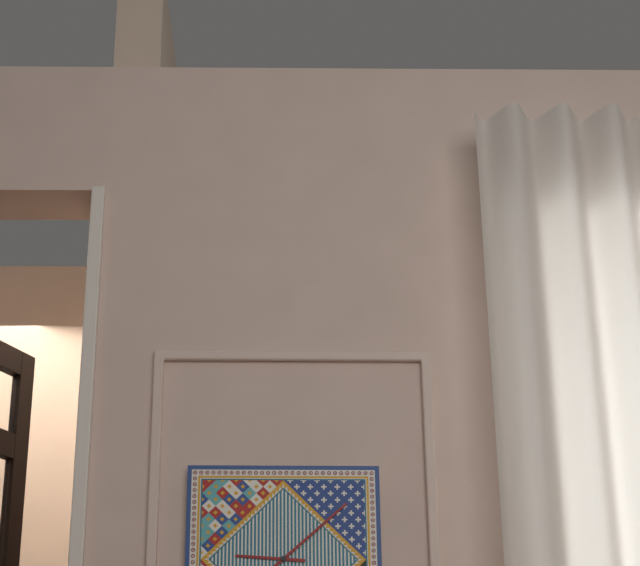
9.08
